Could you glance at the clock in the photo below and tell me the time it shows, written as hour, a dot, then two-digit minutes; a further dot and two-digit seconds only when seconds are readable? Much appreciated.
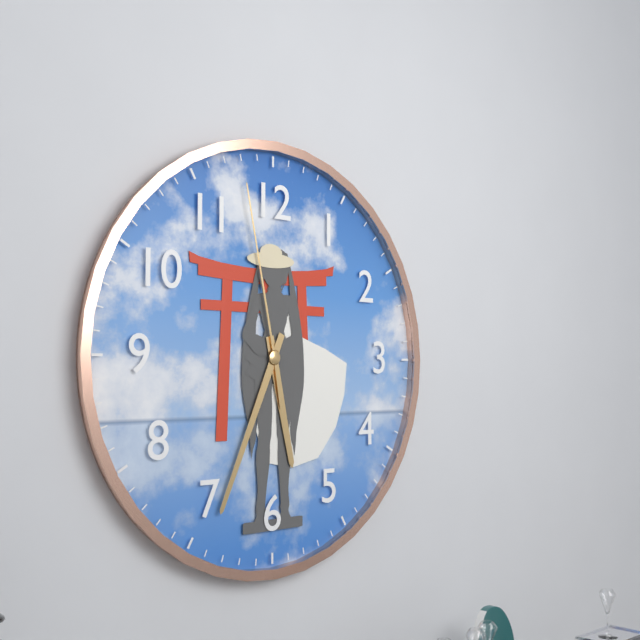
5.34.58
